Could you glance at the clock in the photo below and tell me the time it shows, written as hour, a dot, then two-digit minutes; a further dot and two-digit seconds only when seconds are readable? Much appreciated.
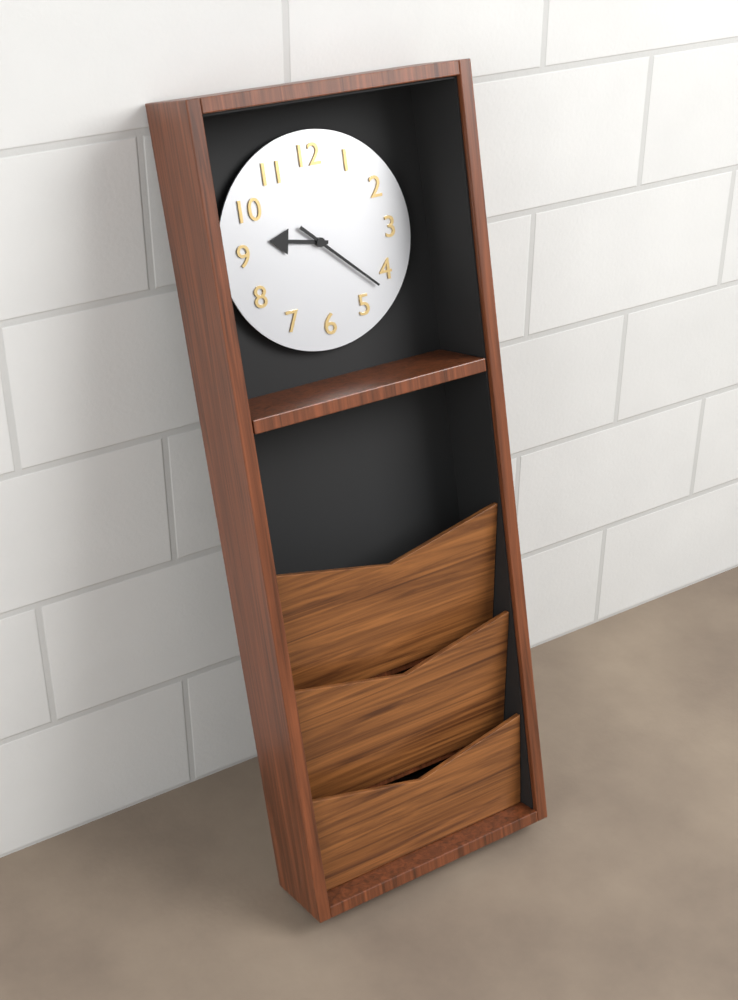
9.22
